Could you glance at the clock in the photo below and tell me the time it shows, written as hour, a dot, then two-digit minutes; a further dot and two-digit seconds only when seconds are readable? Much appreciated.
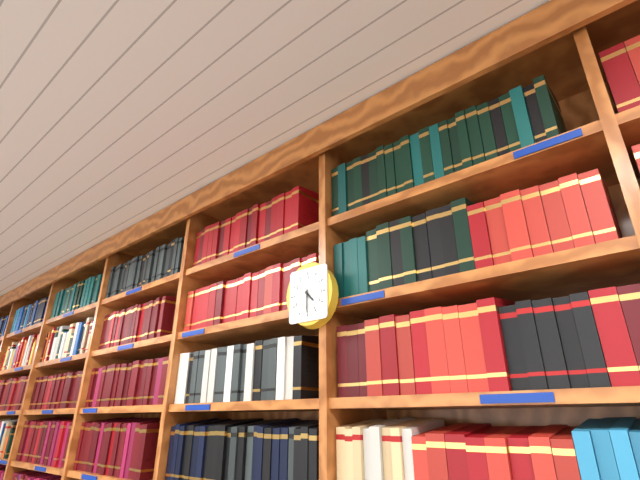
4.30
